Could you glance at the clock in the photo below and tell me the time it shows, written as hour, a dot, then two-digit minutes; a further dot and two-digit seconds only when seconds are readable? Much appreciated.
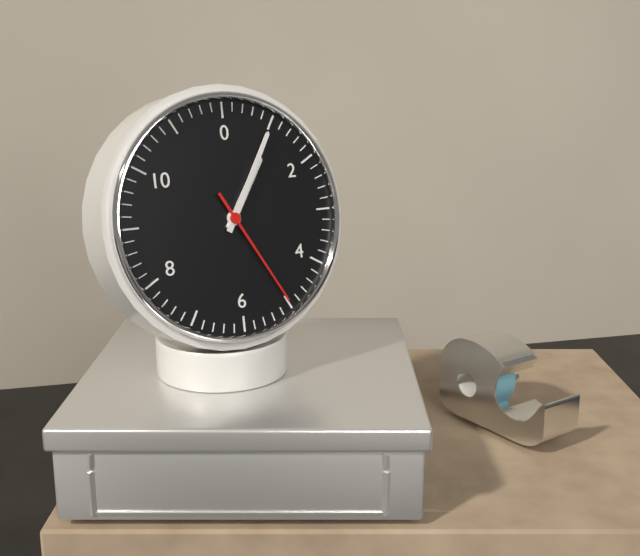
1.05.25
